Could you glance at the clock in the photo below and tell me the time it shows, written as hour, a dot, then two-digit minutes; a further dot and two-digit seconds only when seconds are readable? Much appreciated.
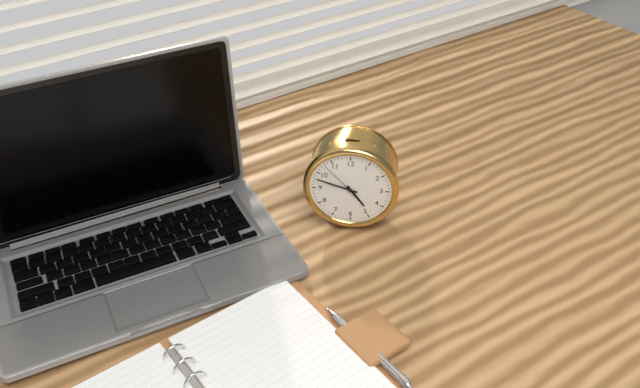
4.48
